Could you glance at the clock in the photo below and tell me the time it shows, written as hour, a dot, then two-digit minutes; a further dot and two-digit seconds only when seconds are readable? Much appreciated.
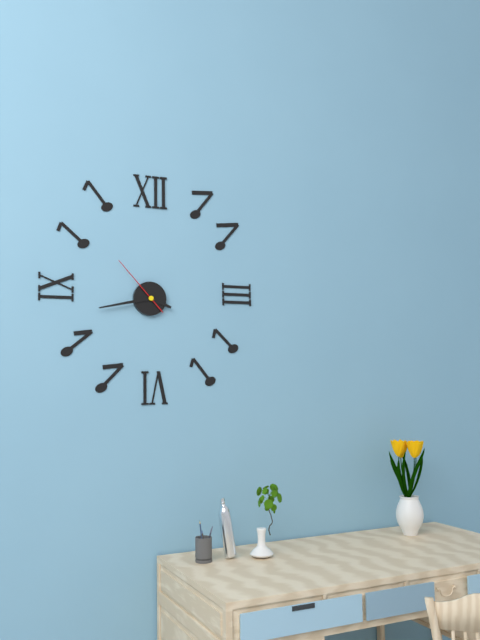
3.43.53
